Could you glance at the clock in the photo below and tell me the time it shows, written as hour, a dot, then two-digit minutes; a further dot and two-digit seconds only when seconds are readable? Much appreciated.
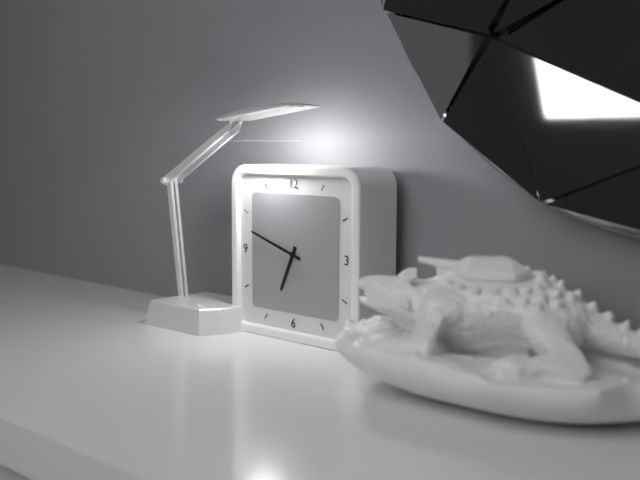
6.48
